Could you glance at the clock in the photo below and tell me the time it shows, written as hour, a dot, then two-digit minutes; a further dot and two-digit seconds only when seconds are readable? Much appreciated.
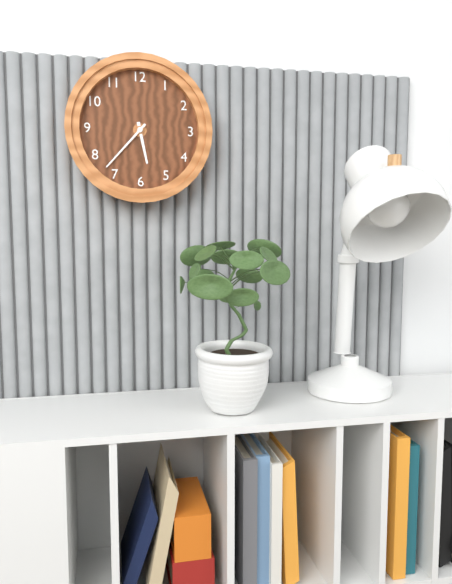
5.37
